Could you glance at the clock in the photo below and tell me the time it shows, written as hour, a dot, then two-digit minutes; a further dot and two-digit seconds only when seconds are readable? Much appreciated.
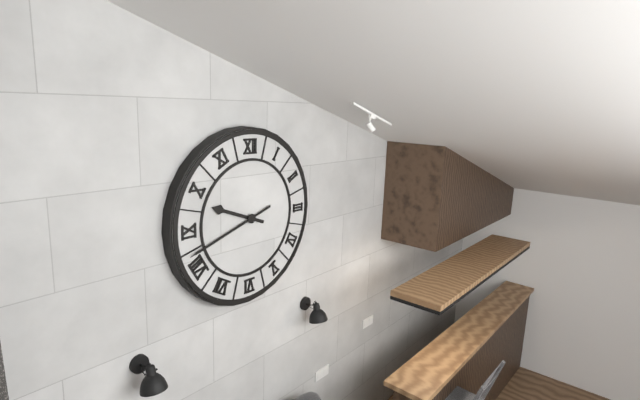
9.42
